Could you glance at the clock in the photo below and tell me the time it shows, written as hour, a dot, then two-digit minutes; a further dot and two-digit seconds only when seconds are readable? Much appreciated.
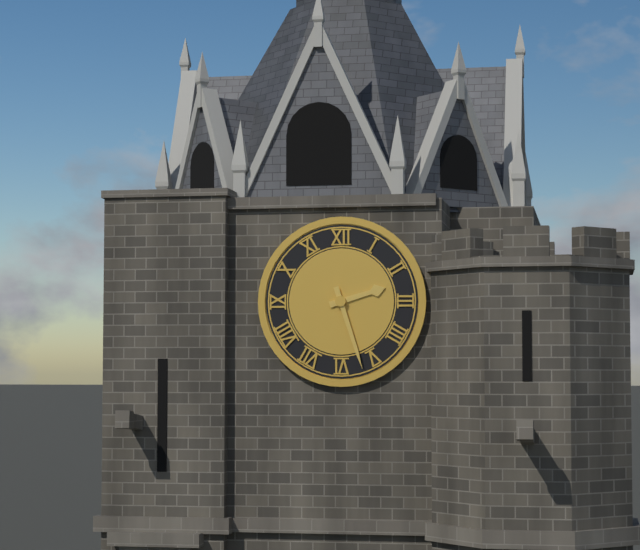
2.27
